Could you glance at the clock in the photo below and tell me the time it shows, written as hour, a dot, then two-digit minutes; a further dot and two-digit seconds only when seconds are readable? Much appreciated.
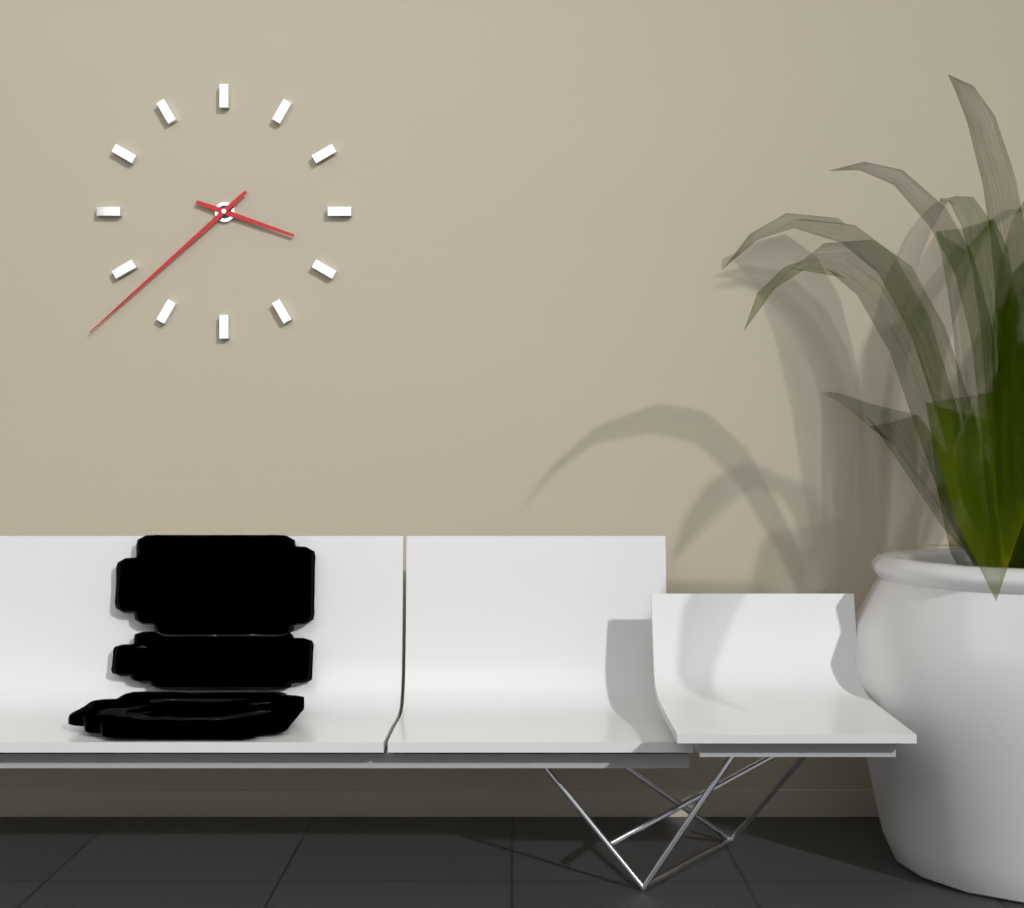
3.38
